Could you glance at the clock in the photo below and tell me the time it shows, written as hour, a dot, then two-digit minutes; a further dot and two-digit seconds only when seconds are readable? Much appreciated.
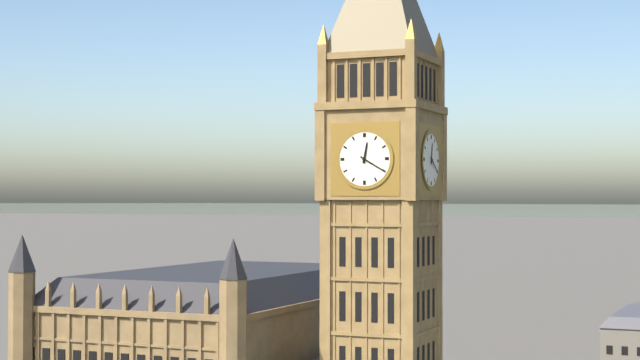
12.20
